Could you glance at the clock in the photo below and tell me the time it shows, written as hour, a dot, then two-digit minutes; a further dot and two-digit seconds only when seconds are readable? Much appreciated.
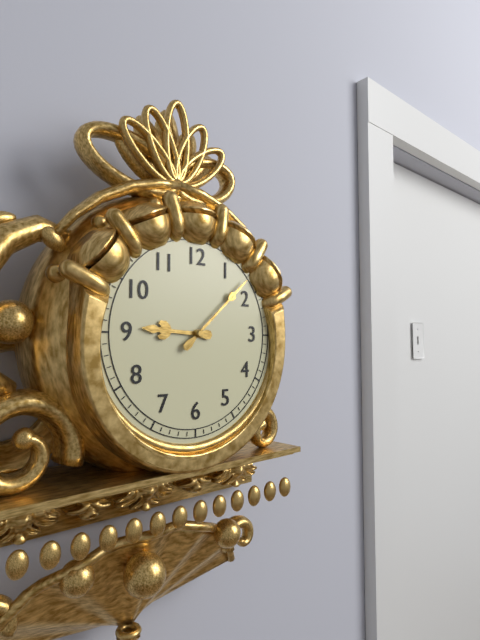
9.08
